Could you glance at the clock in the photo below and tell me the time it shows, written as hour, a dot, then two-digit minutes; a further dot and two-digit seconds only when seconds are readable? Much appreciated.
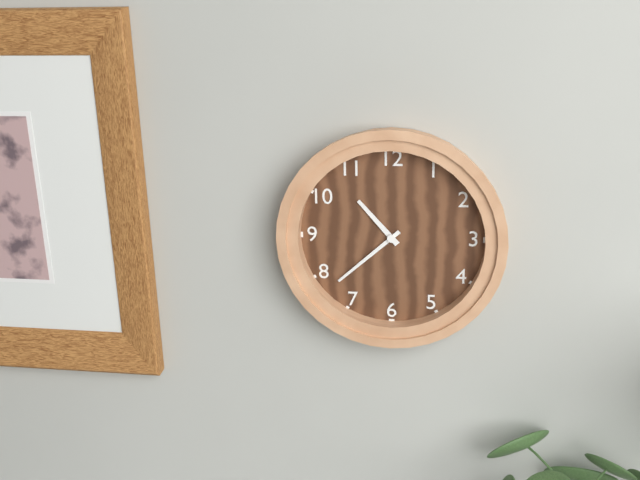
10.38
